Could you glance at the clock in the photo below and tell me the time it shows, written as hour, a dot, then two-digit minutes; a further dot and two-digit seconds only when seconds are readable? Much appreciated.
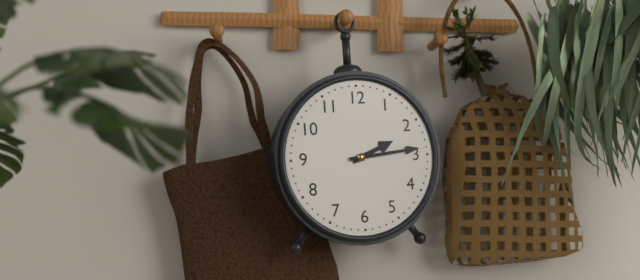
2.14
